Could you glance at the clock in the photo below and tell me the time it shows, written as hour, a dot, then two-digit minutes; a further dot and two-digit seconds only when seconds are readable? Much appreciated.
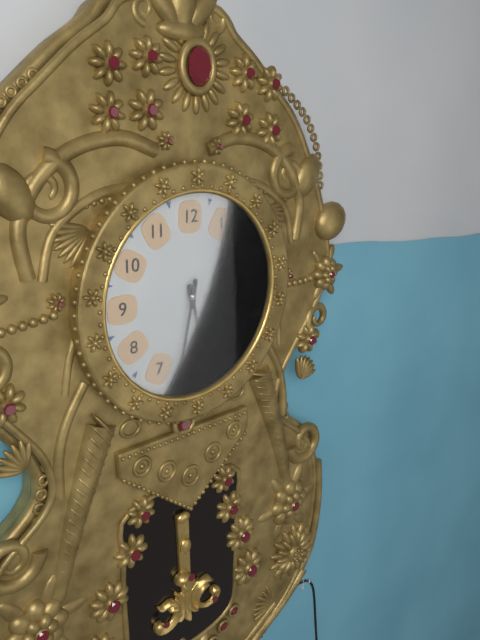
5.32
